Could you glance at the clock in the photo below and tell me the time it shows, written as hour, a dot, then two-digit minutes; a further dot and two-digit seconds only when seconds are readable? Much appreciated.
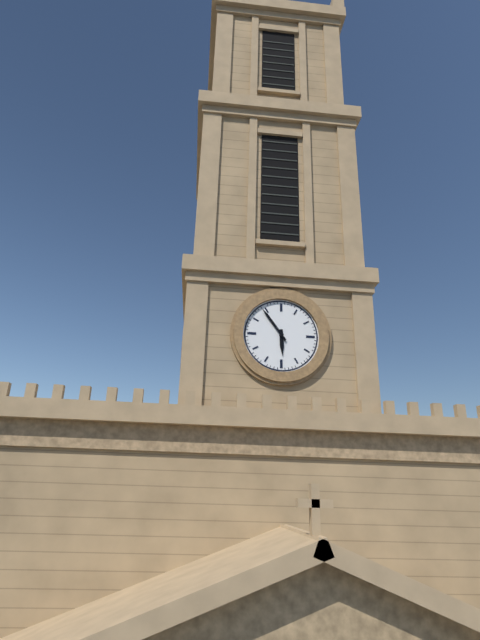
5.54
